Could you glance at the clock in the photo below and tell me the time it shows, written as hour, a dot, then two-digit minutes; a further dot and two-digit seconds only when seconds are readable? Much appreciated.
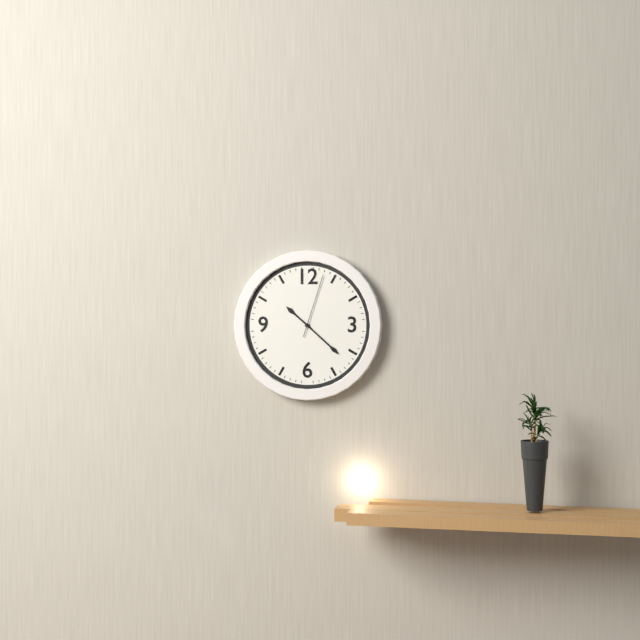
10.22.03
